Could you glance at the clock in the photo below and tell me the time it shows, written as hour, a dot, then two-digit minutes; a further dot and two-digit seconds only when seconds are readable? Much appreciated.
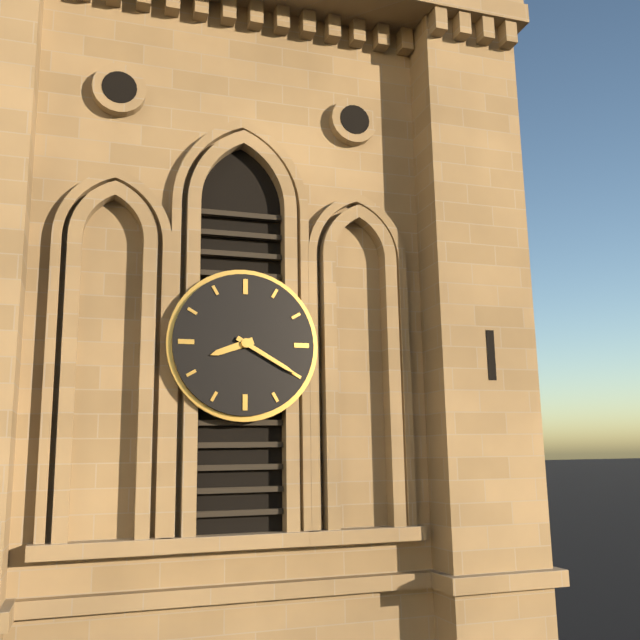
8.20
